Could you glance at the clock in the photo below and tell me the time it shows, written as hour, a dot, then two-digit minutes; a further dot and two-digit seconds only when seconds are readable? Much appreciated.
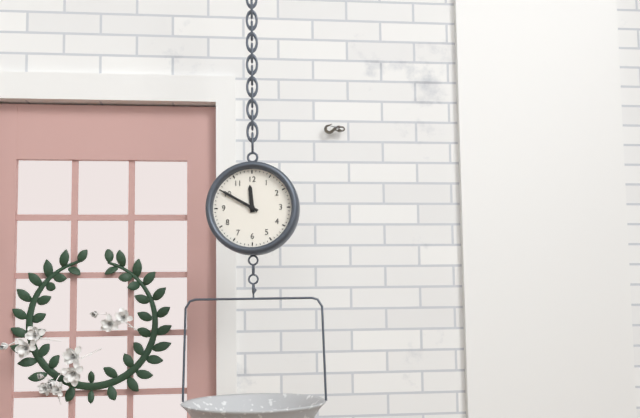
11.50
